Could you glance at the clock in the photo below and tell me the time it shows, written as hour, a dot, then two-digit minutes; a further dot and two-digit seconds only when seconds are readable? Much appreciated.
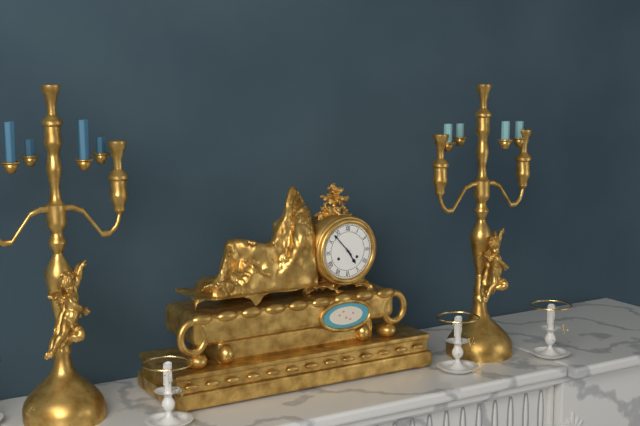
4.53
